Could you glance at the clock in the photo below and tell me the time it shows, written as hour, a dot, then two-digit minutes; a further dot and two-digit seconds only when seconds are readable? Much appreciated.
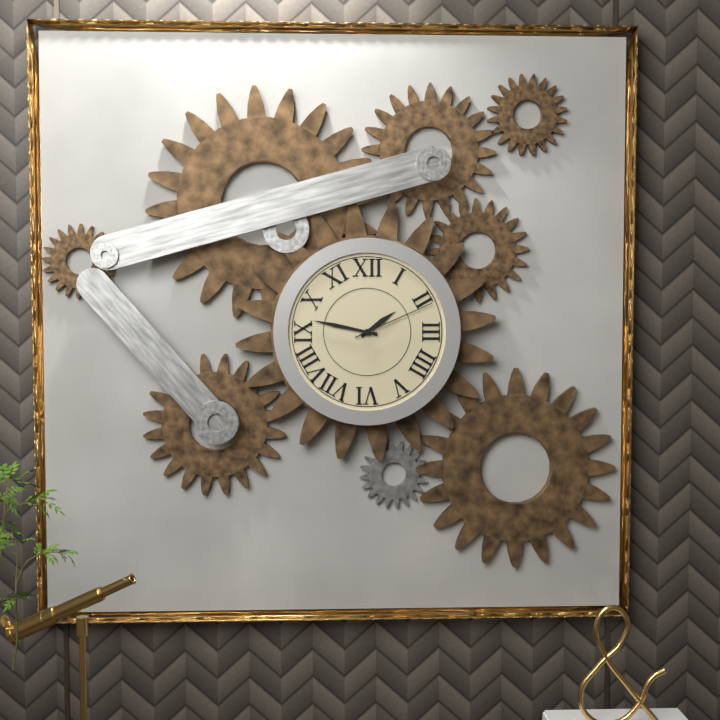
1.47.11
